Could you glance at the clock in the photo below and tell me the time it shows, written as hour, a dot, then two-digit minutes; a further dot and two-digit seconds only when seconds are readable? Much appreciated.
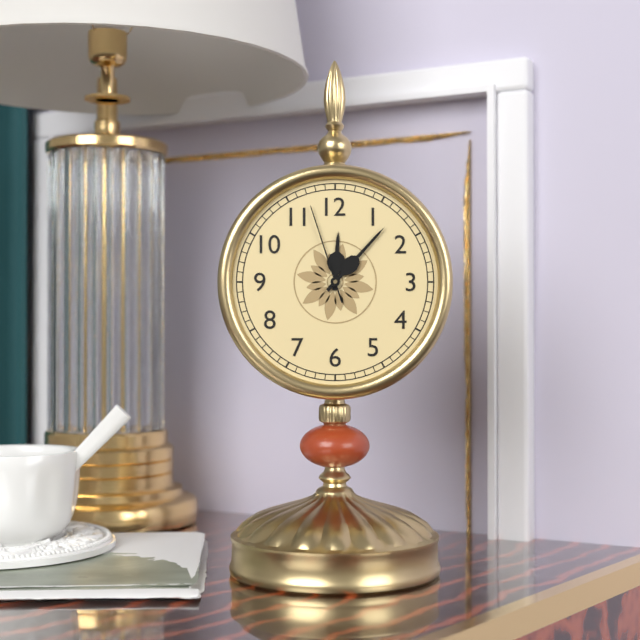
12.07.57
